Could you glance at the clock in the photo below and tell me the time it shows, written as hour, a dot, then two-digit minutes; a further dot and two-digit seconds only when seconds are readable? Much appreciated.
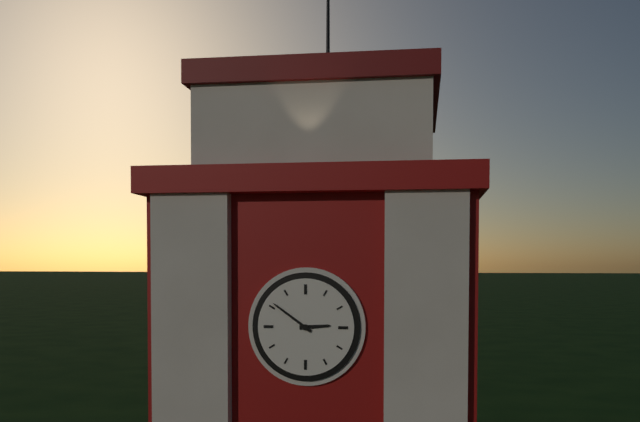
2.51
